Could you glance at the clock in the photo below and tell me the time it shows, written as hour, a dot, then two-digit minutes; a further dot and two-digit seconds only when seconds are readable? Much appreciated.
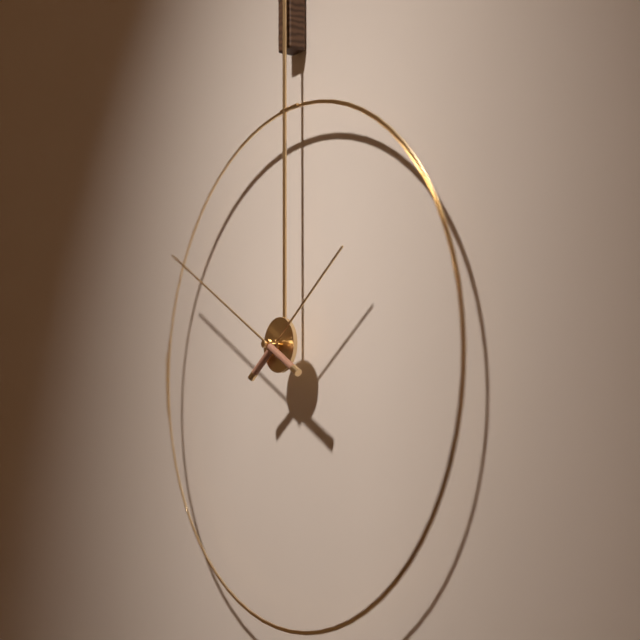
1.50
